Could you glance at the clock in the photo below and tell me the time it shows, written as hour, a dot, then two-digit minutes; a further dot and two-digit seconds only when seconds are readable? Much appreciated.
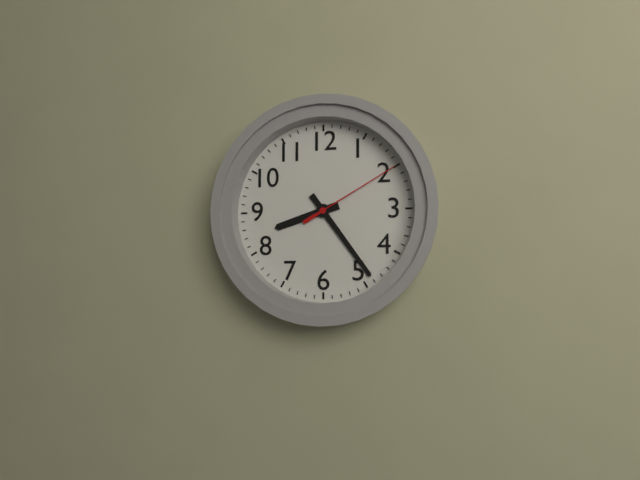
8.24.10
